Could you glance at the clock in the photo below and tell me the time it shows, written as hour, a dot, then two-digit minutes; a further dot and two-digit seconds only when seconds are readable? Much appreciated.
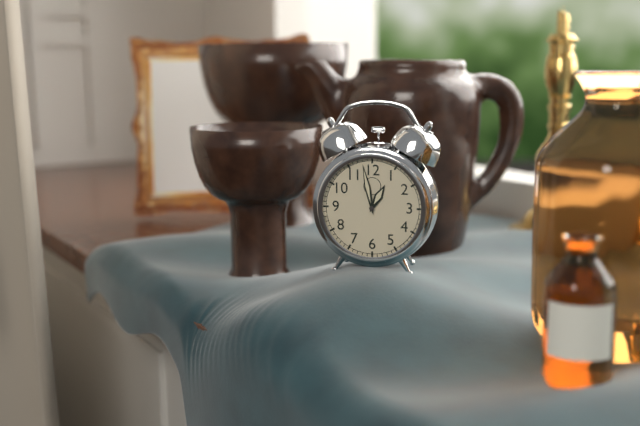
12.58
